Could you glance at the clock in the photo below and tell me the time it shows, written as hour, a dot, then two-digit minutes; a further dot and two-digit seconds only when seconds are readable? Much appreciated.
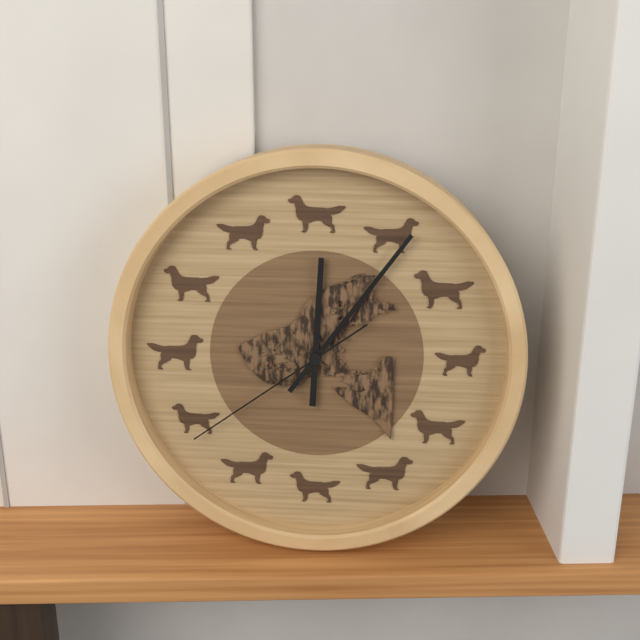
12.06.39
